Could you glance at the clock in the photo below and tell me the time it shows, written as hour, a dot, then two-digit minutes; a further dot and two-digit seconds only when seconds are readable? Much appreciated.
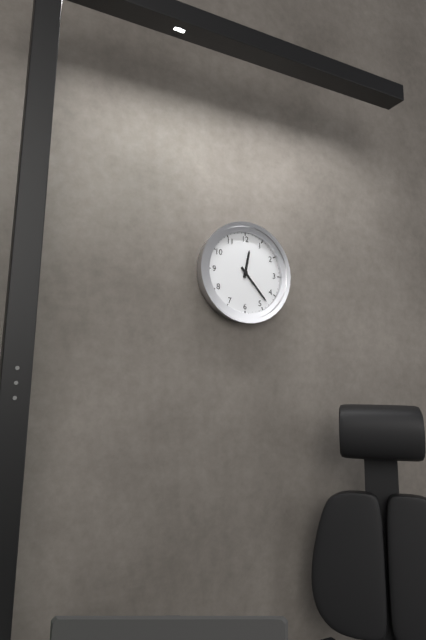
12.23
